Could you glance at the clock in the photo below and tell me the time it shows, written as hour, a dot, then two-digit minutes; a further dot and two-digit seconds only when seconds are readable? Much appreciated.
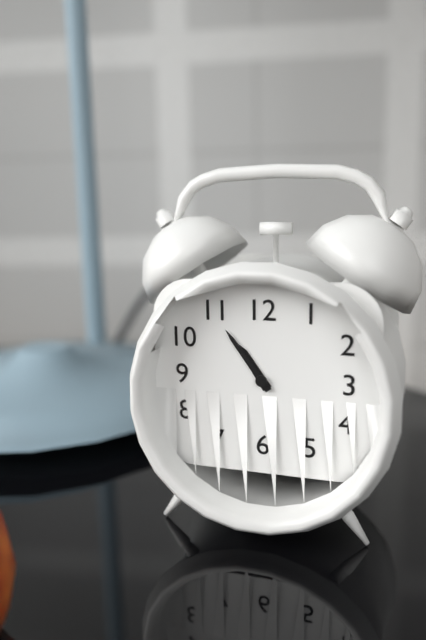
10.54
